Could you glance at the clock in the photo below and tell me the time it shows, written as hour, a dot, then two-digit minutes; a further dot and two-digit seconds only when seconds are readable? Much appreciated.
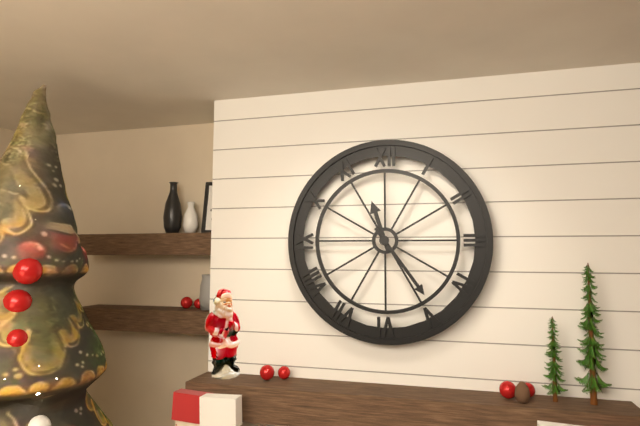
11.24
